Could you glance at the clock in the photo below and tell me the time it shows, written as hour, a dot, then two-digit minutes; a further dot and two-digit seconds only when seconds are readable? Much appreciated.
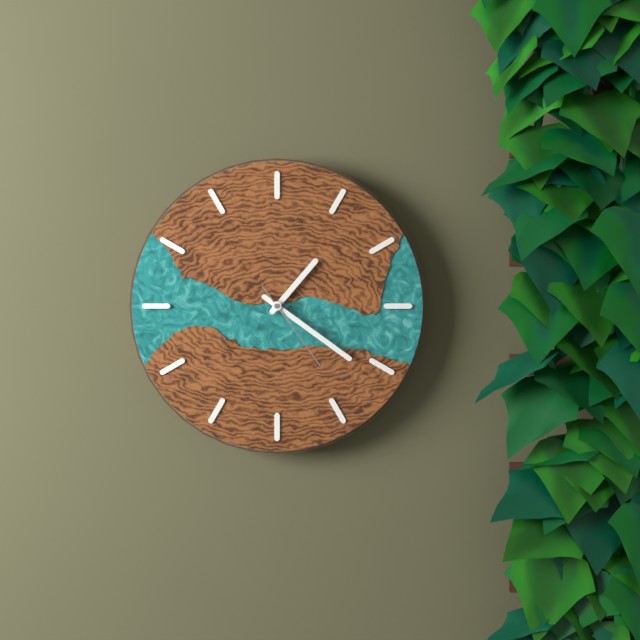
1.21.24
